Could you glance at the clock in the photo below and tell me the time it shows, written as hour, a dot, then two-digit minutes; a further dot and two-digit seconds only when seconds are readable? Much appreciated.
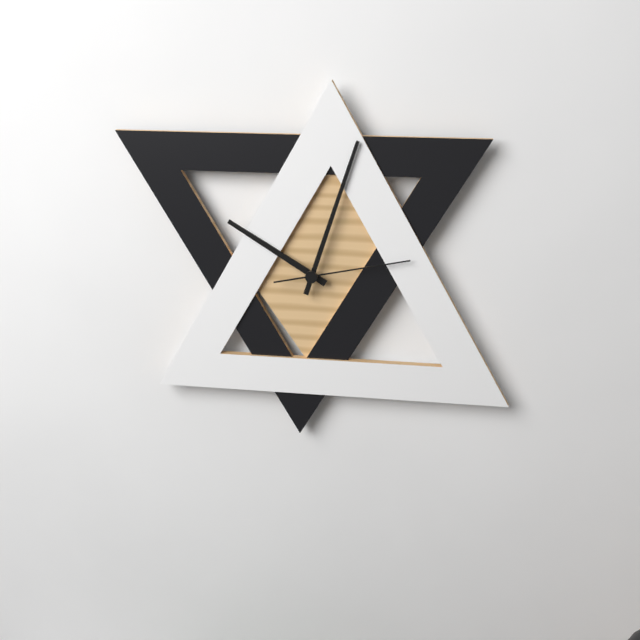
10.03.13
